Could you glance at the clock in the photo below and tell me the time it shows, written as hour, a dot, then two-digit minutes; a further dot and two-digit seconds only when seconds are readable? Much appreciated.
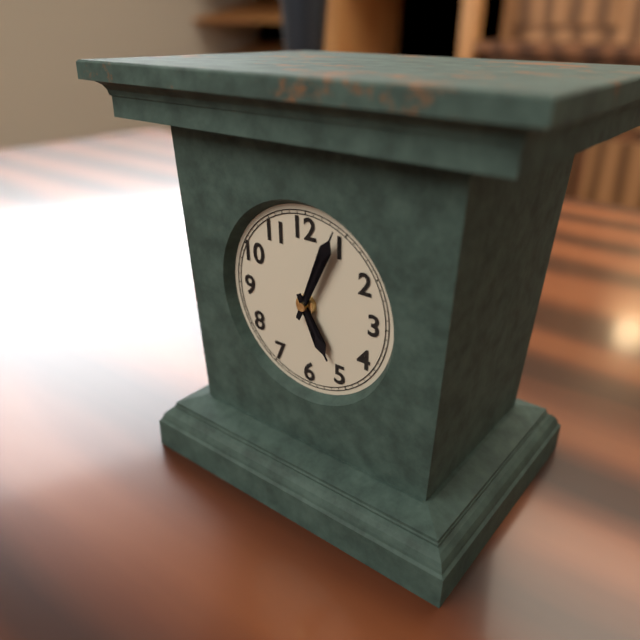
5.04
